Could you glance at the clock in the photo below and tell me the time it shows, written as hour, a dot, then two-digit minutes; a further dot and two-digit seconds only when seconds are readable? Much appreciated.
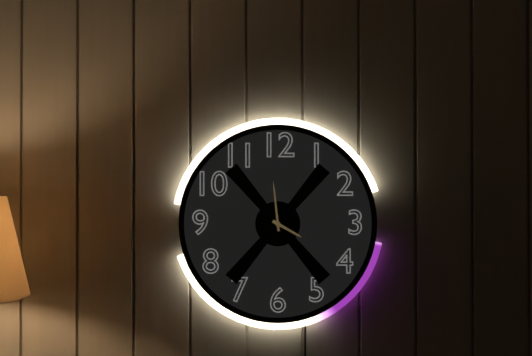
3.59
